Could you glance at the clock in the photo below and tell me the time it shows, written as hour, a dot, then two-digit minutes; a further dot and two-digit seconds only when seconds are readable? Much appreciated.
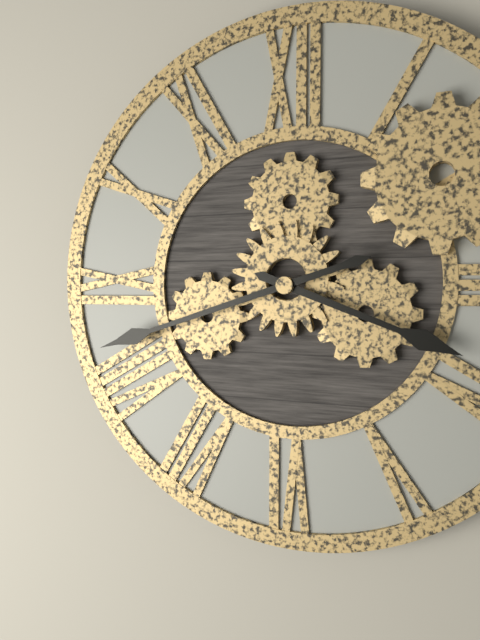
3.42
